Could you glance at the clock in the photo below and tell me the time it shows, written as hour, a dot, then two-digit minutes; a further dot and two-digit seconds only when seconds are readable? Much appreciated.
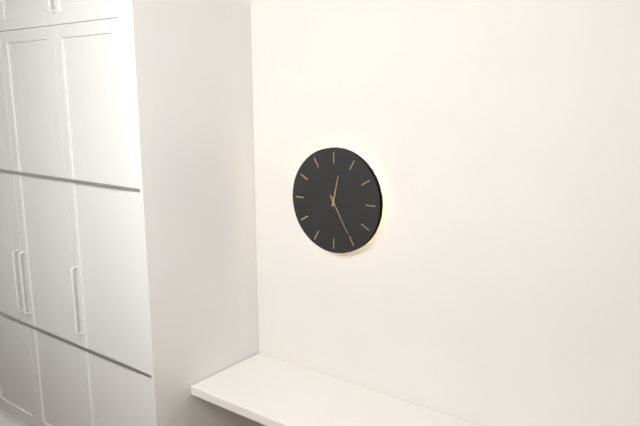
12.25
